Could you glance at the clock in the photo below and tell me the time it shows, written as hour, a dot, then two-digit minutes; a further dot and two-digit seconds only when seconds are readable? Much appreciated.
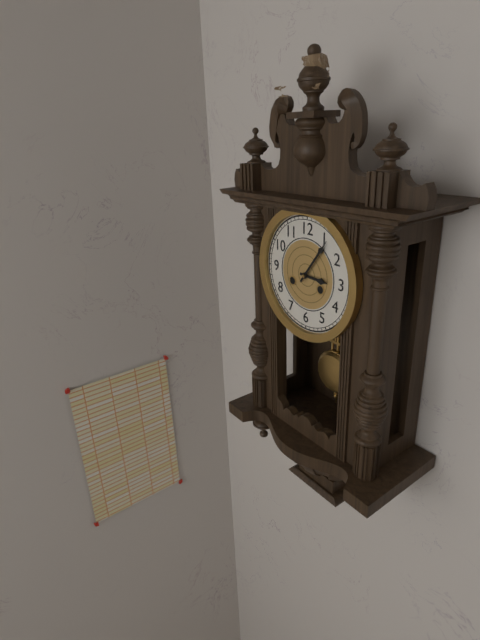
3.06
